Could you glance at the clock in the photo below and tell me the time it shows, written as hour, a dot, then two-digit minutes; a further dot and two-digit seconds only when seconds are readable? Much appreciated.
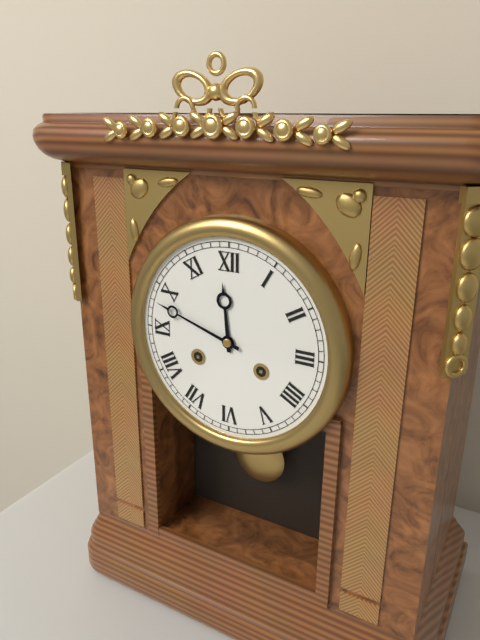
11.48
